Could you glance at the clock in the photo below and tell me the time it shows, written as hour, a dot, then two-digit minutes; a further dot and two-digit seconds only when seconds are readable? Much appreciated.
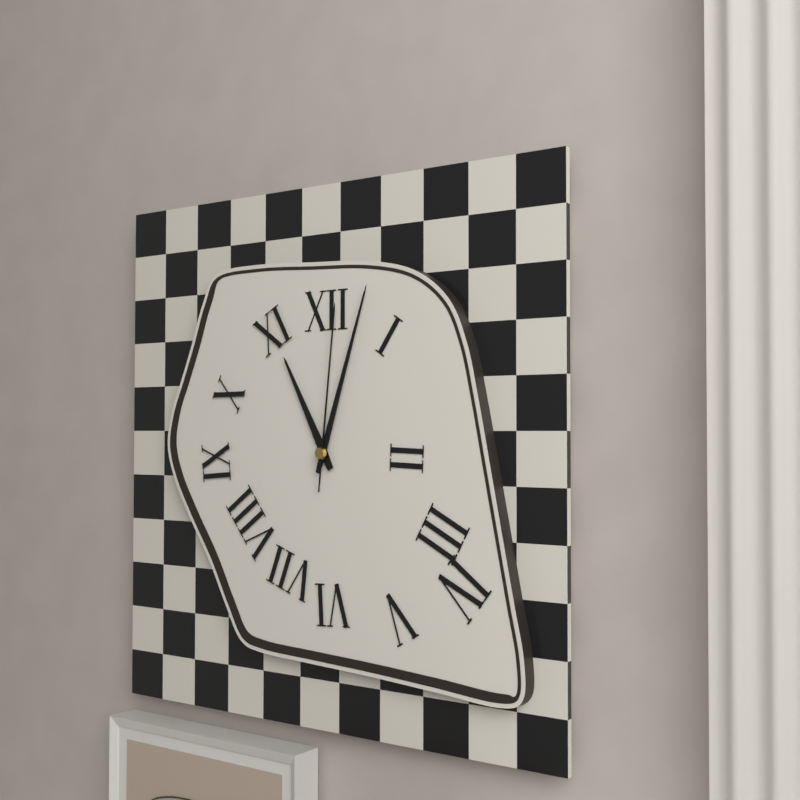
11.03.01
